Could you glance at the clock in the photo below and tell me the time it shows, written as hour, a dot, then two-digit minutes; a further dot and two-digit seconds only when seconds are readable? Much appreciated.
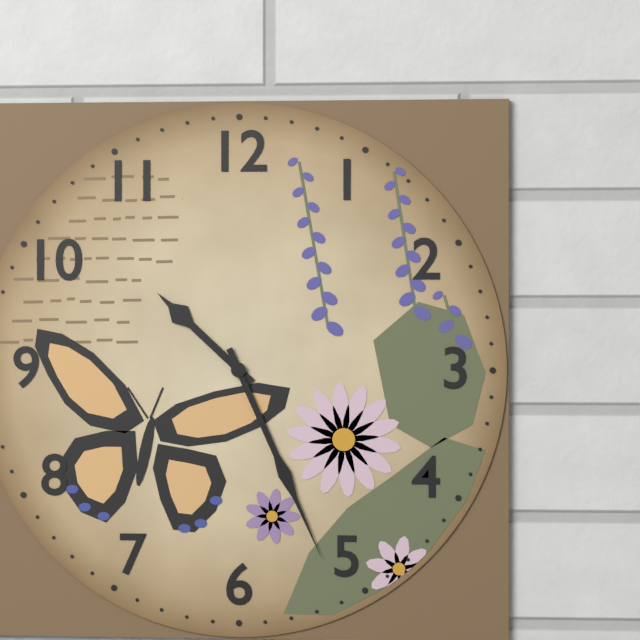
10.26
